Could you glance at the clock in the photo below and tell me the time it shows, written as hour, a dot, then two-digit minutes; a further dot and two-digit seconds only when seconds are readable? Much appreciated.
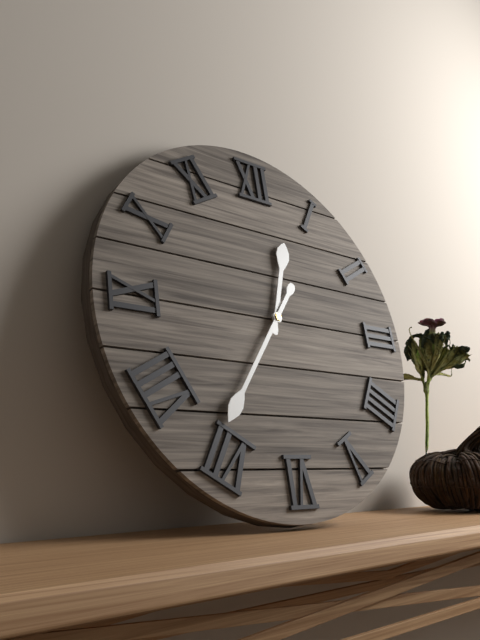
12.36
